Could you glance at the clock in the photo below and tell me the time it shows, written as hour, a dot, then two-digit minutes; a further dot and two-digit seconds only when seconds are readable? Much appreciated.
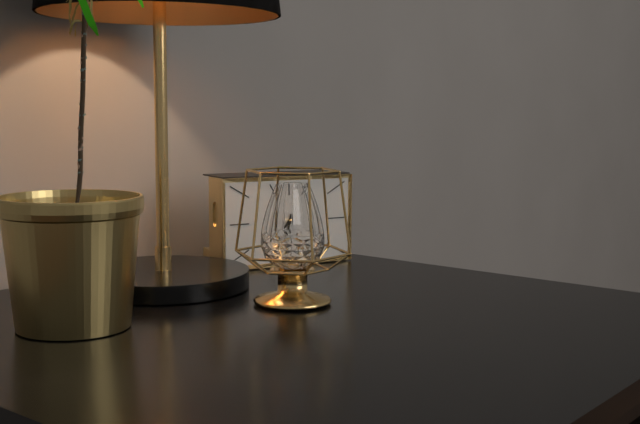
7.32
